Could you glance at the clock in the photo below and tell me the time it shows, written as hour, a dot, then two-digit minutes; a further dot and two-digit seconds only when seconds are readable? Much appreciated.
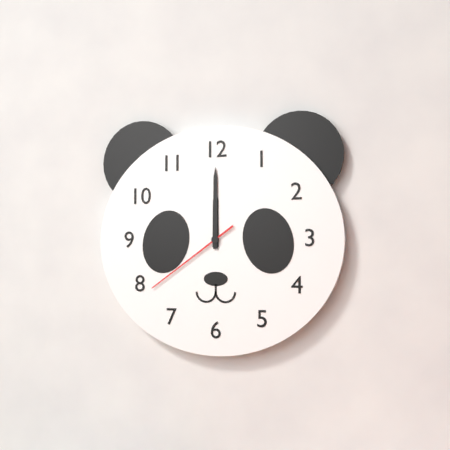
12.00.39
